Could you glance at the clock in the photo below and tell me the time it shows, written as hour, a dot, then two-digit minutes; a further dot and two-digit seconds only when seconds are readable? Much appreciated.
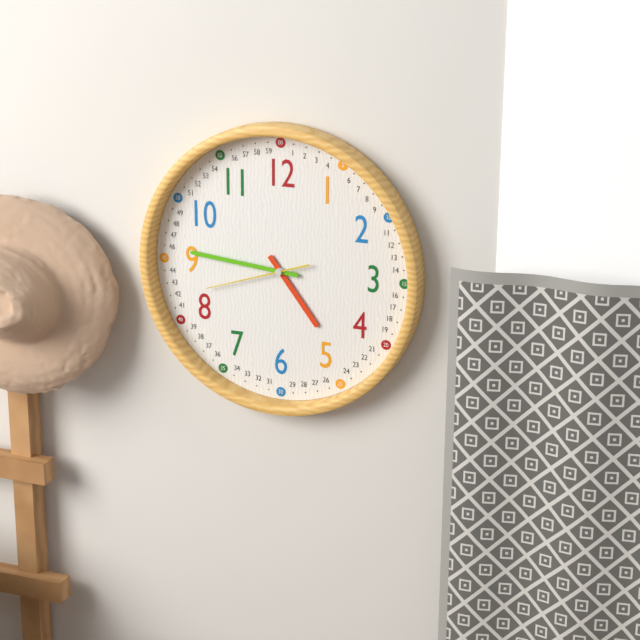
4.46.42
